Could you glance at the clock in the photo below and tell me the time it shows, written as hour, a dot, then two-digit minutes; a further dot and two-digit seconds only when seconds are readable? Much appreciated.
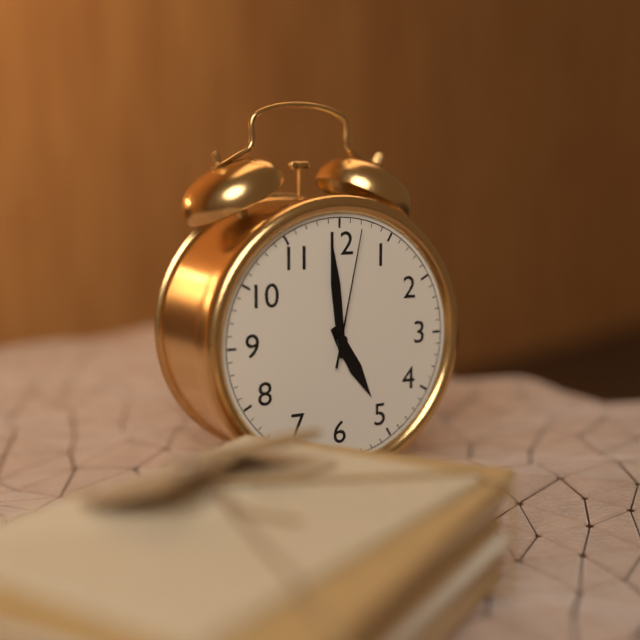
4.59.02
